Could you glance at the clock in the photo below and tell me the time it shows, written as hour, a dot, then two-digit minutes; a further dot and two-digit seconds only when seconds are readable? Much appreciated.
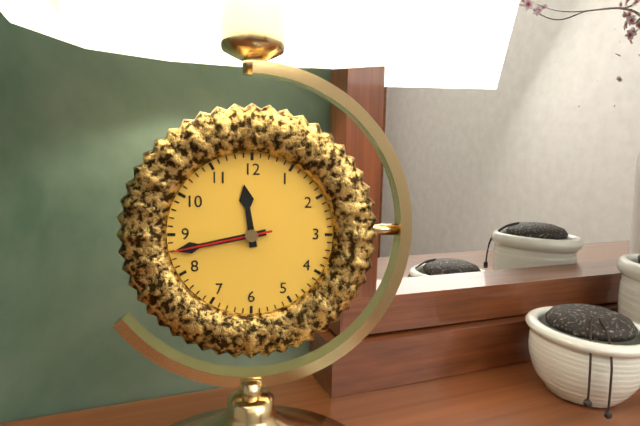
11.43.43
